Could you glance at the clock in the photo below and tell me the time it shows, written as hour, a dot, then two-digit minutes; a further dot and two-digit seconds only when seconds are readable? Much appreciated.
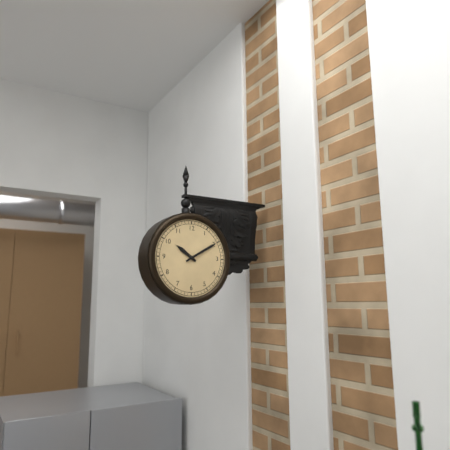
10.10
